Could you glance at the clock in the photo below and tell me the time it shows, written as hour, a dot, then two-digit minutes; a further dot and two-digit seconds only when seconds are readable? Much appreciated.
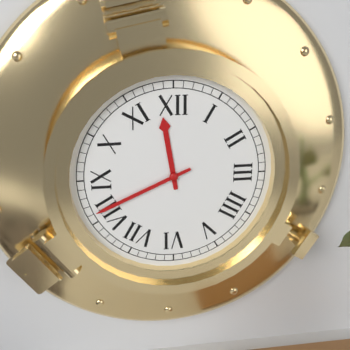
11.41
